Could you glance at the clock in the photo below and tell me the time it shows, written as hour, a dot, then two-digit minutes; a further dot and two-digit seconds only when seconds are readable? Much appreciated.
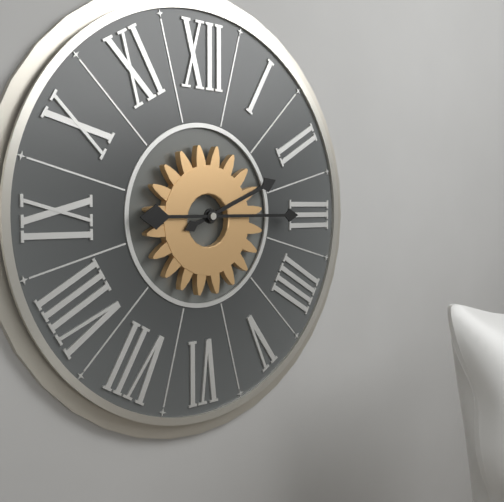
2.15
